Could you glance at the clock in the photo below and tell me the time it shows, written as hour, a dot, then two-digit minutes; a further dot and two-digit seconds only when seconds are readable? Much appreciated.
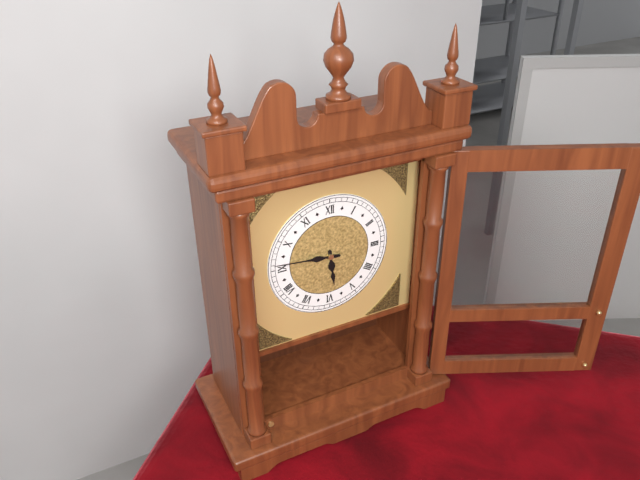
5.46
